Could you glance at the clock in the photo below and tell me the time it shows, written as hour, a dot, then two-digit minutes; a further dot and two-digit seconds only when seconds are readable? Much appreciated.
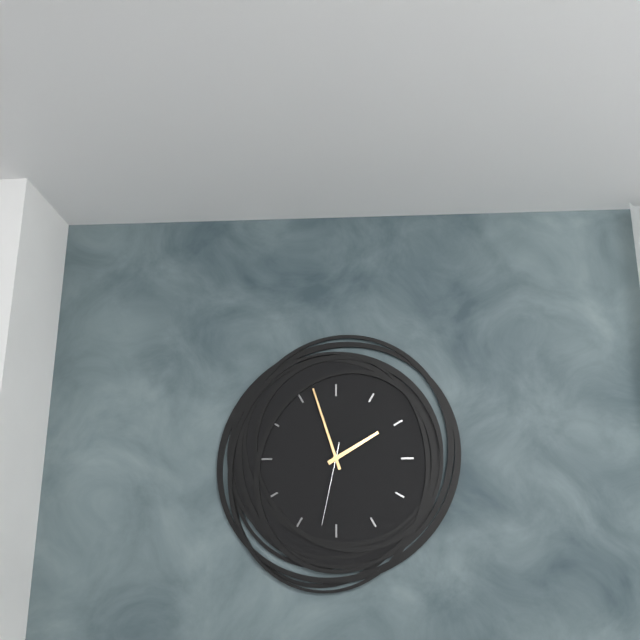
1.57.32
